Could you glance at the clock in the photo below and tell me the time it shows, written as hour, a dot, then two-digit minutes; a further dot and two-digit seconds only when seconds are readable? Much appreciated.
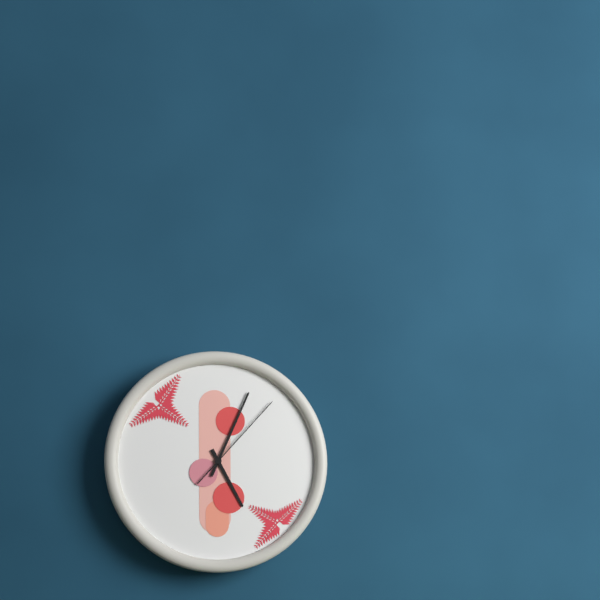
5.04.07
